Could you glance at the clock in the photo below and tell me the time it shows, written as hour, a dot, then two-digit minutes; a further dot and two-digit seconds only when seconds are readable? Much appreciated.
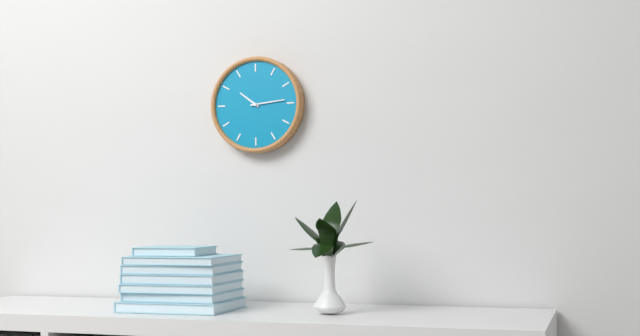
10.14
